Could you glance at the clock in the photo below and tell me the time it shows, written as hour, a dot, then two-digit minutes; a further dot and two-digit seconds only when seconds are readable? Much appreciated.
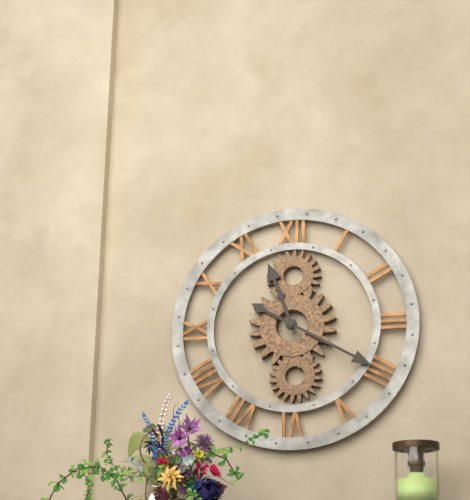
11.20
